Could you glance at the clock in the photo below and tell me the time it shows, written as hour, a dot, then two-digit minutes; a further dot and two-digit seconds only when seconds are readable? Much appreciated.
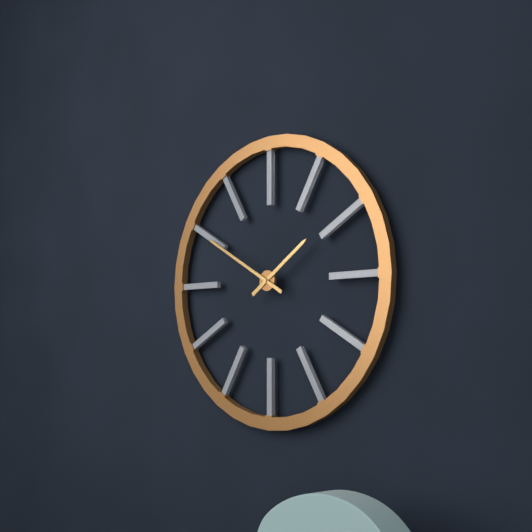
1.50
